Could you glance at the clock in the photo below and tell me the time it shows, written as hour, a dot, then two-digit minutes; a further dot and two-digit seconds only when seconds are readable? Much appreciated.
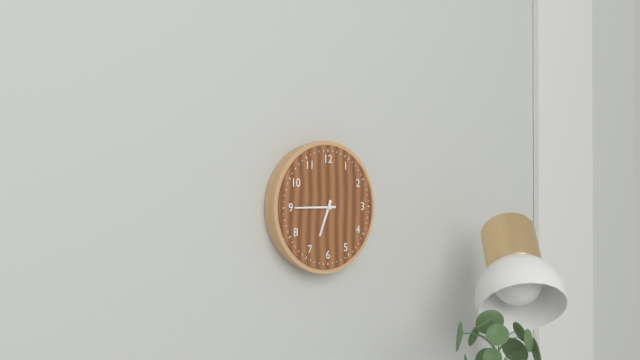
6.45
